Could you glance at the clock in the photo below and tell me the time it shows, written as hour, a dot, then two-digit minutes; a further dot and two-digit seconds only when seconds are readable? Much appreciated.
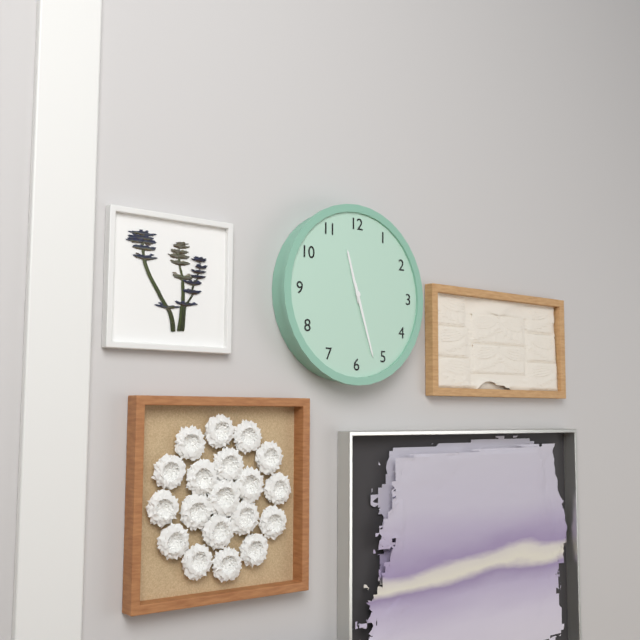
11.27
